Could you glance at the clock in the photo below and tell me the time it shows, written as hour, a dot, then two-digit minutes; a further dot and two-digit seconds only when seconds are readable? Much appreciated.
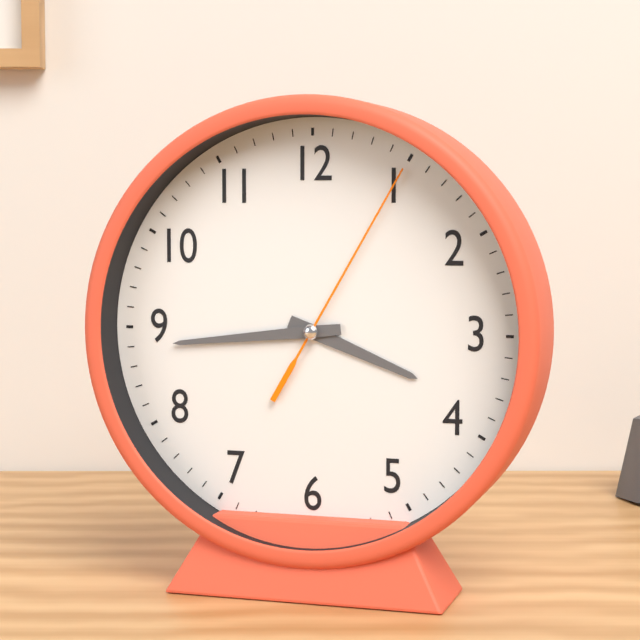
3.44.05
